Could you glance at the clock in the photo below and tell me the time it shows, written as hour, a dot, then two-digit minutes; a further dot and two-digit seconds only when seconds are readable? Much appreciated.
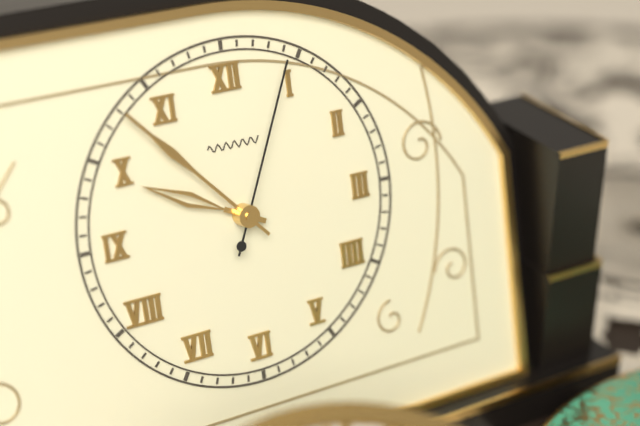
9.53.04
